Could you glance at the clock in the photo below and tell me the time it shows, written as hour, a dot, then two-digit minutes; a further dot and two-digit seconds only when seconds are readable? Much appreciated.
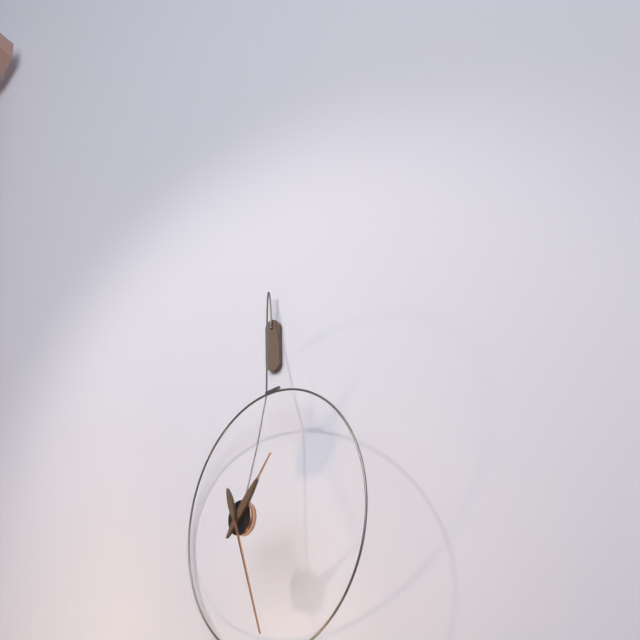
1.27
